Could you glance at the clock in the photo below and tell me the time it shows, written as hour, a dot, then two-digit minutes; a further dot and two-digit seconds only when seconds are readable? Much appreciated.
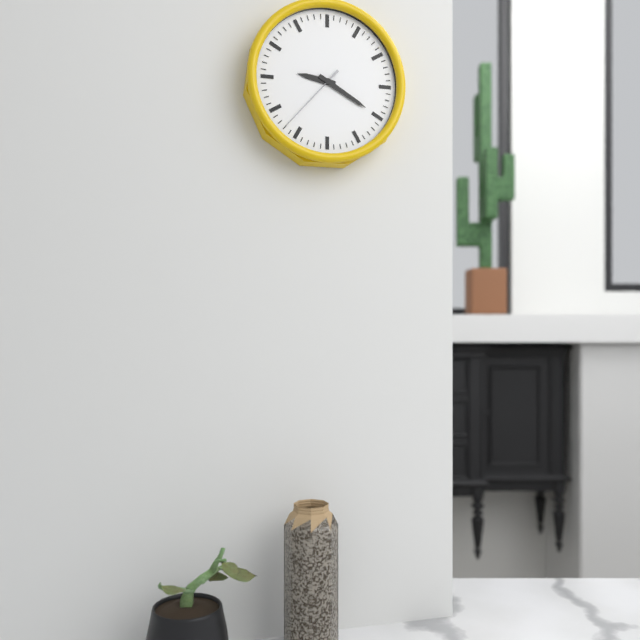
9.20.37
